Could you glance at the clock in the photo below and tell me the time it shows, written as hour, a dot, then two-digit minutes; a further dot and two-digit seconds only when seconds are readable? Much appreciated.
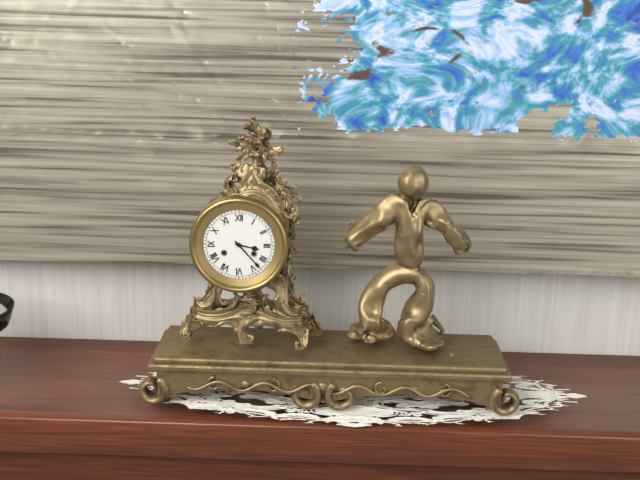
3.23
